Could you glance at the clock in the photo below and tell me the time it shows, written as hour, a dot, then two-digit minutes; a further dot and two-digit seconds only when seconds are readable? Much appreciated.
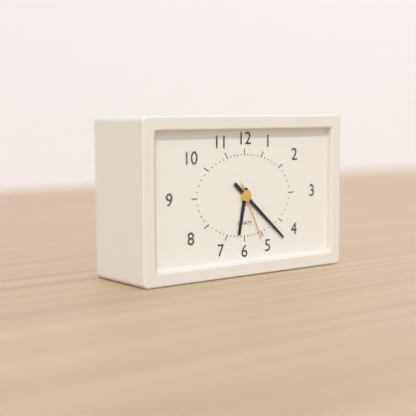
6.22.26
